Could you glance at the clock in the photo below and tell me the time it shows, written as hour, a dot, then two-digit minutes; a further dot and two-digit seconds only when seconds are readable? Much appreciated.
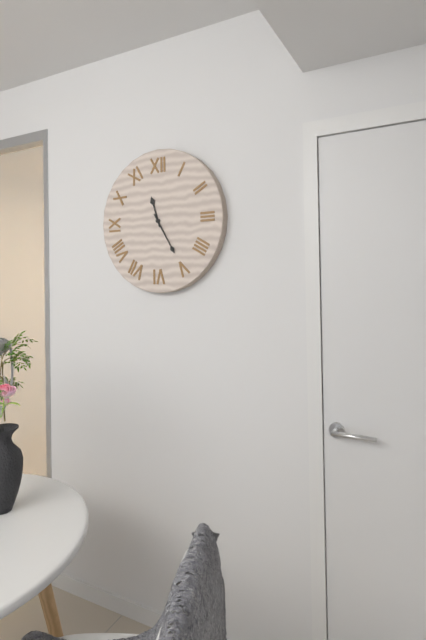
11.25
